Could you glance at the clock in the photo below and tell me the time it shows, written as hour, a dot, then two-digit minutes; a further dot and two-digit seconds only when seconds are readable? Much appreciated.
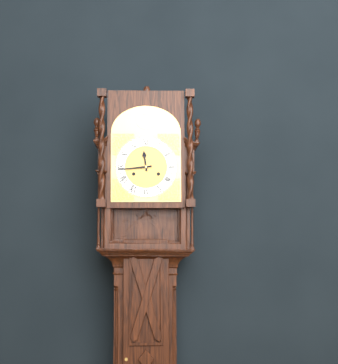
11.44
